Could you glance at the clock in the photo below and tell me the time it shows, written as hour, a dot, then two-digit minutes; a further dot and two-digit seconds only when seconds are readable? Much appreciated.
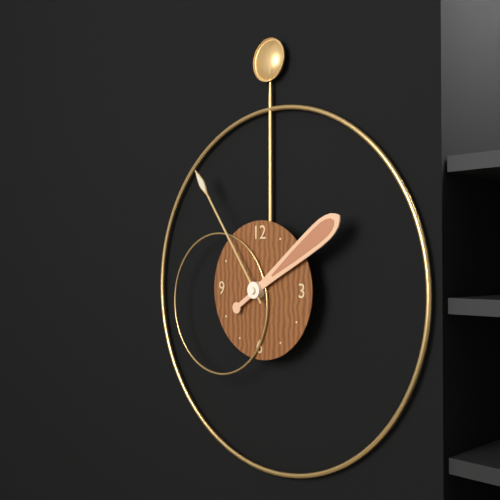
1.54
